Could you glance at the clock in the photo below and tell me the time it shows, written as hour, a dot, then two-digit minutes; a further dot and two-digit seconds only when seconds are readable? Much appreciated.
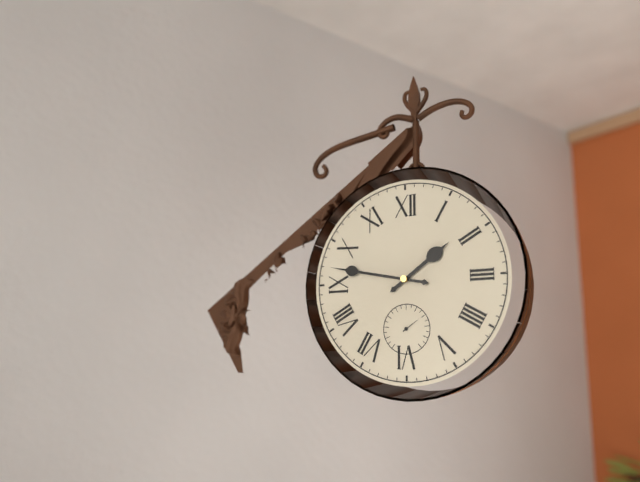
1.47
